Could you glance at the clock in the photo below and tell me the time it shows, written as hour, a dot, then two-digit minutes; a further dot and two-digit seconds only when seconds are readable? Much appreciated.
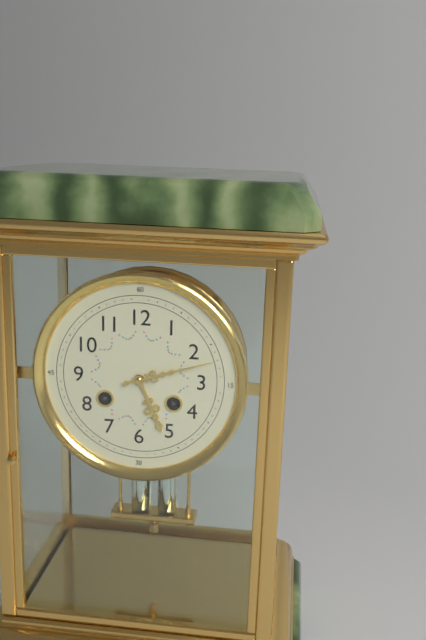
5.12
